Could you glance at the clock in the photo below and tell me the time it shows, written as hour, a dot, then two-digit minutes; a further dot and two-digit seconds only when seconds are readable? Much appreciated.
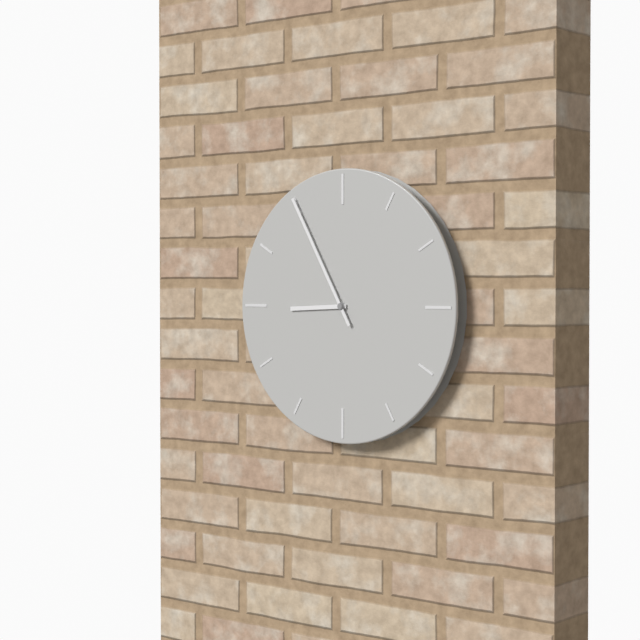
8.55
